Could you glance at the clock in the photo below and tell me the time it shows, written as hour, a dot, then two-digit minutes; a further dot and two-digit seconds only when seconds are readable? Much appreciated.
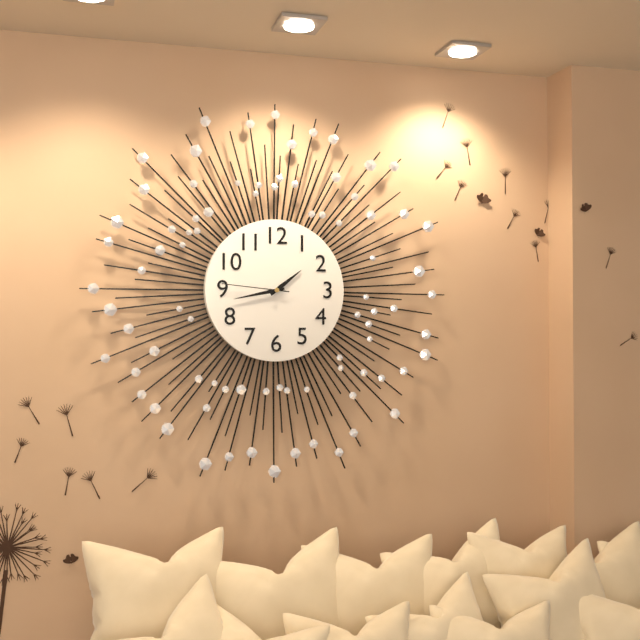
1.43.46
